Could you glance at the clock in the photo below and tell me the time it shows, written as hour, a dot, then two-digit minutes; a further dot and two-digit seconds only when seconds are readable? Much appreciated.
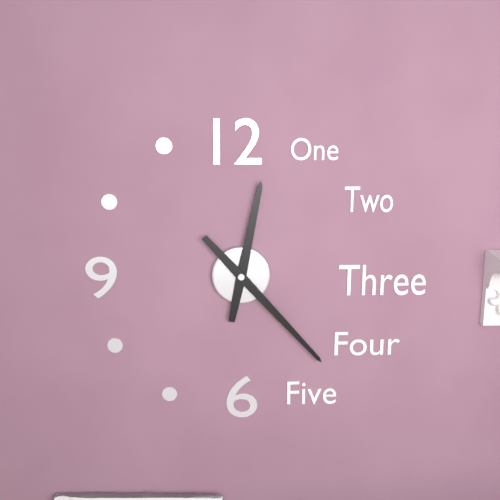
12.23
